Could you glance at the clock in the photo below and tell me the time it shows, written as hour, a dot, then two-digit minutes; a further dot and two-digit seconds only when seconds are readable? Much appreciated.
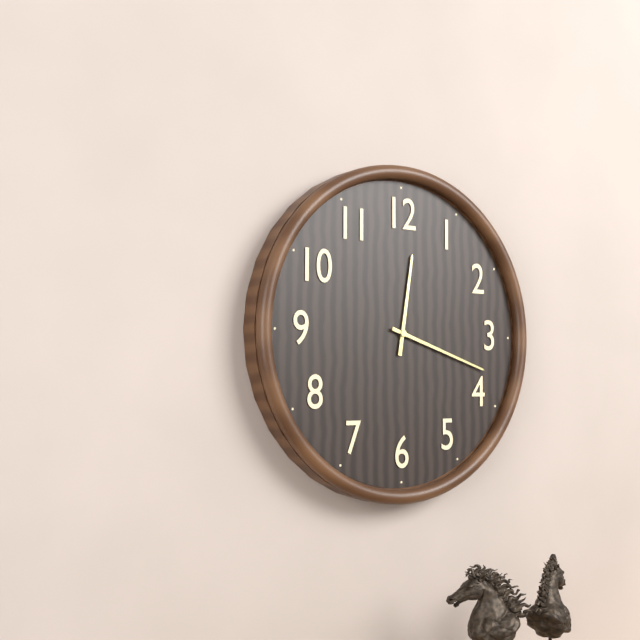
12.18
